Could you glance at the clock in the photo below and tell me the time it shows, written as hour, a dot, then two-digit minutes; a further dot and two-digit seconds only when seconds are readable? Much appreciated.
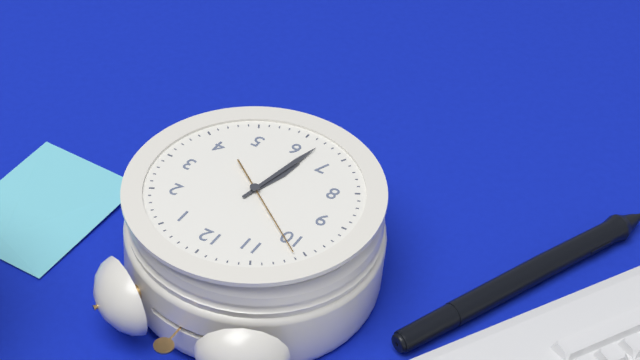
6.32.51
